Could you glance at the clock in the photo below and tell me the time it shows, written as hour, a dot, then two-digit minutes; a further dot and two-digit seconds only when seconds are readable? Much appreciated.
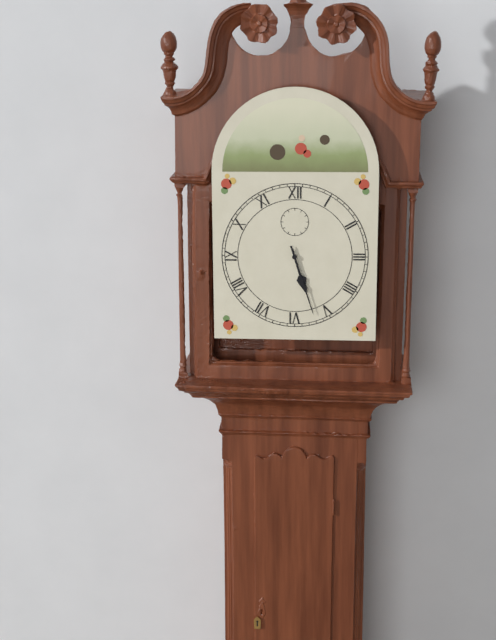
5.27
